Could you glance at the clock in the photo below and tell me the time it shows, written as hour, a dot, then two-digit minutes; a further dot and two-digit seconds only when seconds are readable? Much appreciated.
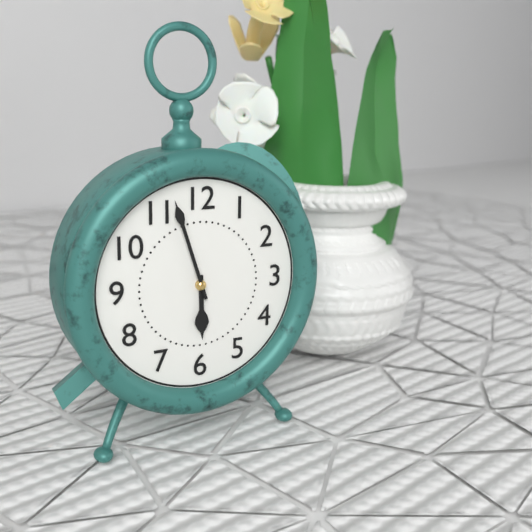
5.57
